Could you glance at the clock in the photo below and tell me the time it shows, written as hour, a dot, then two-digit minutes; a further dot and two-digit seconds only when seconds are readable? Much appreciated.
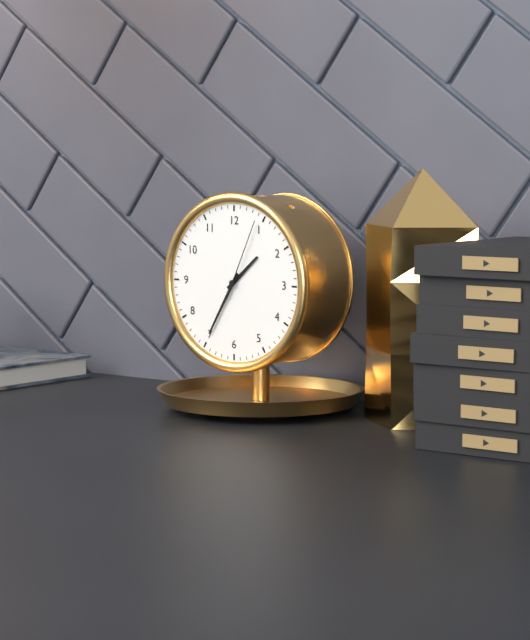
1.35.04
